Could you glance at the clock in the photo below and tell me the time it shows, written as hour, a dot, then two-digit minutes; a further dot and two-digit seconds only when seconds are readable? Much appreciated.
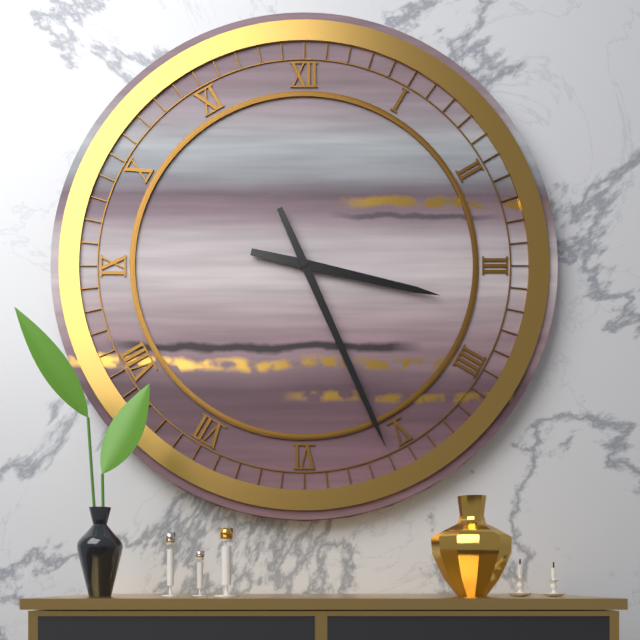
3.26
